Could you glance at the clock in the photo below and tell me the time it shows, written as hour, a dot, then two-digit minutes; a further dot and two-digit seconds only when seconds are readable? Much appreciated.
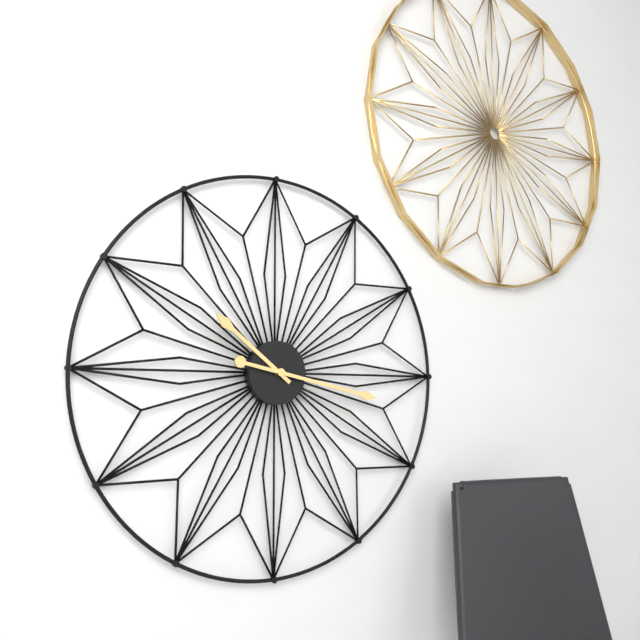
10.17
